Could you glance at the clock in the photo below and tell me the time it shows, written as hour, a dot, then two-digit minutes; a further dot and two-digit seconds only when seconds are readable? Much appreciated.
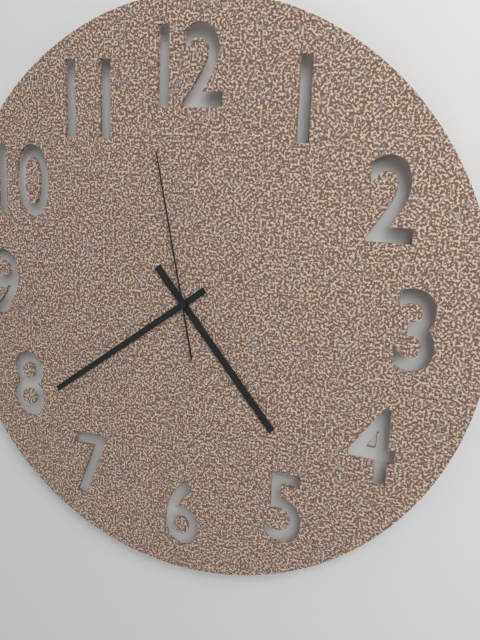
4.39.58
